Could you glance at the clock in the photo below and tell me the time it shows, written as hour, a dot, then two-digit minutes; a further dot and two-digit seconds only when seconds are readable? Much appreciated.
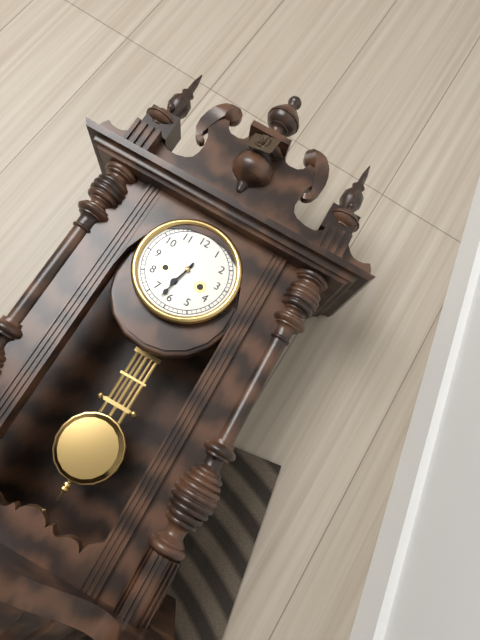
6.32
